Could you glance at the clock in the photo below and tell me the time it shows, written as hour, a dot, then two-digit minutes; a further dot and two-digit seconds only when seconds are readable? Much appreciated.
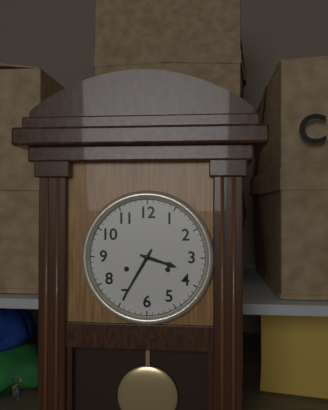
3.35
